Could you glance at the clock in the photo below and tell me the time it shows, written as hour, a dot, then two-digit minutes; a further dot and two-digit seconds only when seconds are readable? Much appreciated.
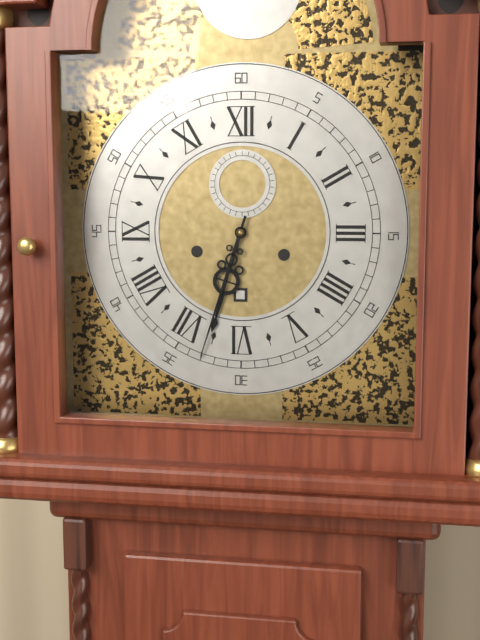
6.33
